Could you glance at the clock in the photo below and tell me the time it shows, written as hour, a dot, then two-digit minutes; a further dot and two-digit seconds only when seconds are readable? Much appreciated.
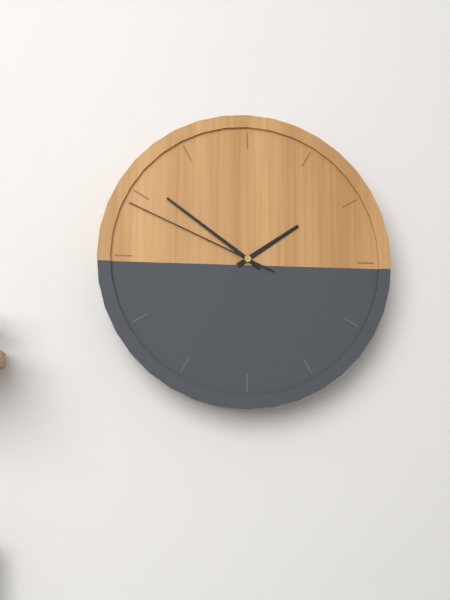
1.51.49
